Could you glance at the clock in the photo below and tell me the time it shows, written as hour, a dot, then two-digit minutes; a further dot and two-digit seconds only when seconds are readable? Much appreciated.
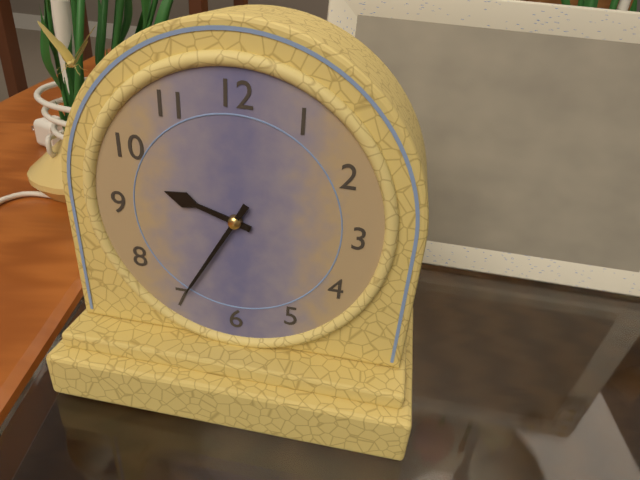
9.35
